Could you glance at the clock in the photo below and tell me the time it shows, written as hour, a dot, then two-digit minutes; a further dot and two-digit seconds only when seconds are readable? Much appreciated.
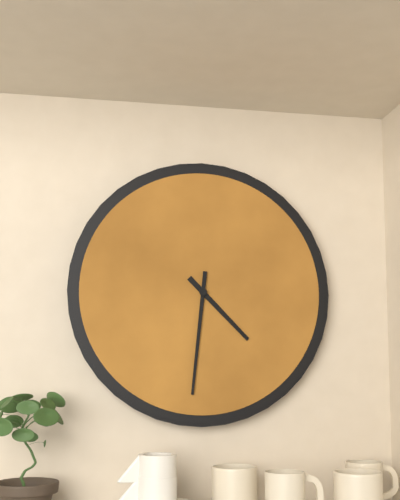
4.31
